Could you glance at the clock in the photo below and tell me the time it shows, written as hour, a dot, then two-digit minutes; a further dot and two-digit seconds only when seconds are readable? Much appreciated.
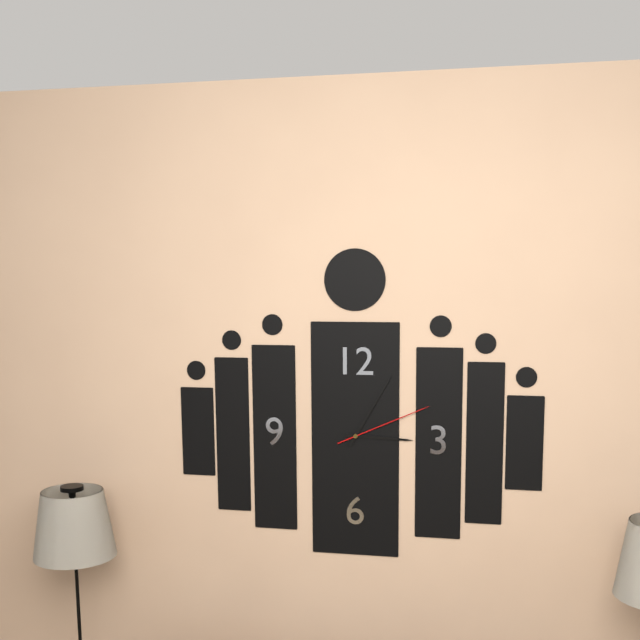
3.05.11
